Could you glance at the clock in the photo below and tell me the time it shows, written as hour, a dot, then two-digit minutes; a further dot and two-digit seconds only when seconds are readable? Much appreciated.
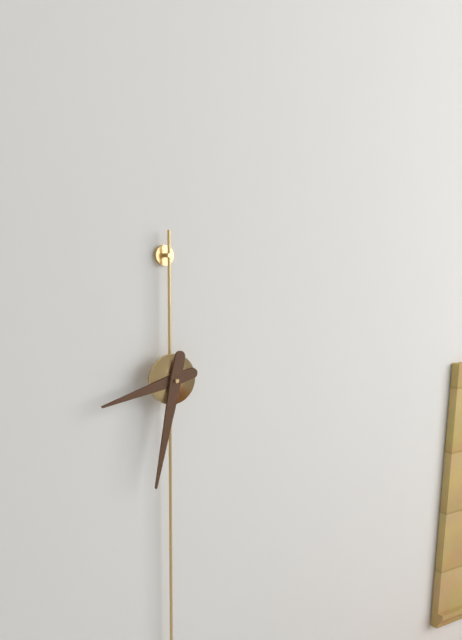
8.32
